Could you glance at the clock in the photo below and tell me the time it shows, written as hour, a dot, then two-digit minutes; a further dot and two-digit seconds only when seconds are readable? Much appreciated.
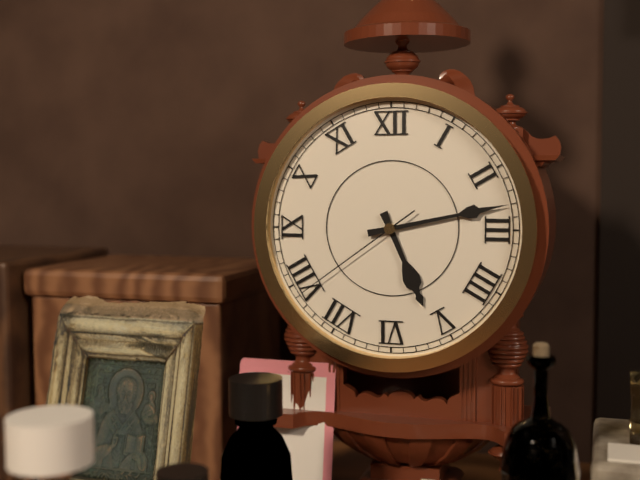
5.13.39
